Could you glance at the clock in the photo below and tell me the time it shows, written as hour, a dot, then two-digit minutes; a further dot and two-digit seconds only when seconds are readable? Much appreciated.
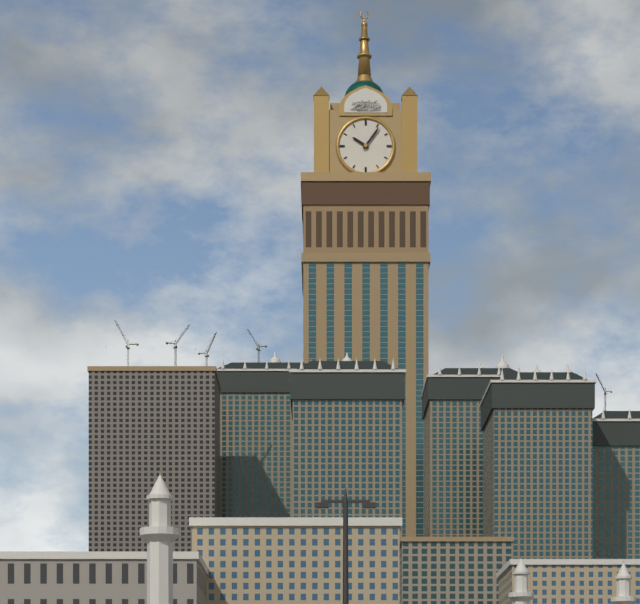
10.06
